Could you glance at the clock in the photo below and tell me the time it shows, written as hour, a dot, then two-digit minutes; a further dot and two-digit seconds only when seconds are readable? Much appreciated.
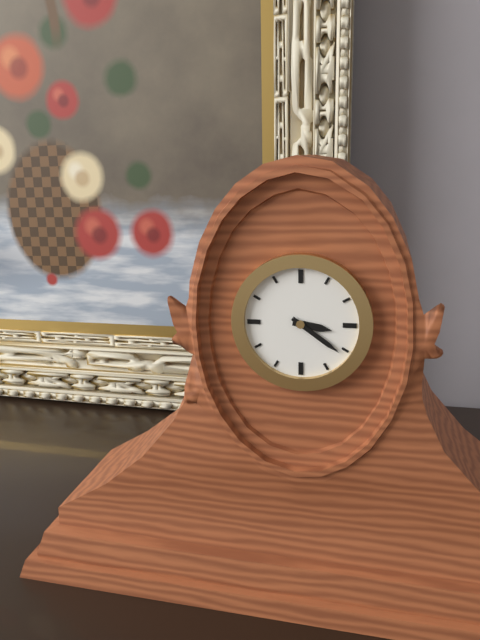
3.21
